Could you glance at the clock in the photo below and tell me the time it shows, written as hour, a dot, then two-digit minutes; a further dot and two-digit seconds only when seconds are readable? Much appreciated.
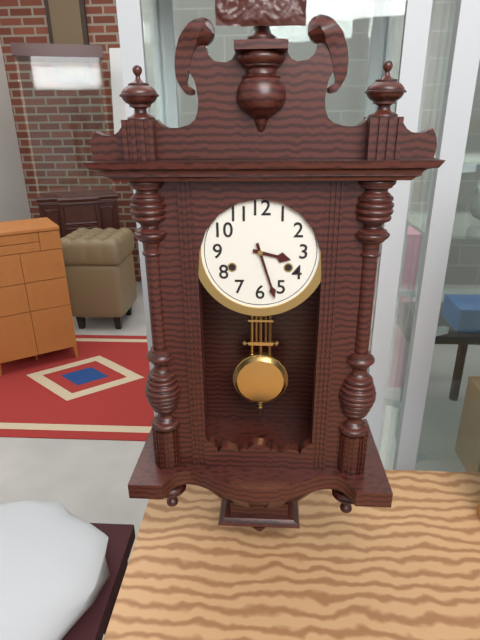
3.27
